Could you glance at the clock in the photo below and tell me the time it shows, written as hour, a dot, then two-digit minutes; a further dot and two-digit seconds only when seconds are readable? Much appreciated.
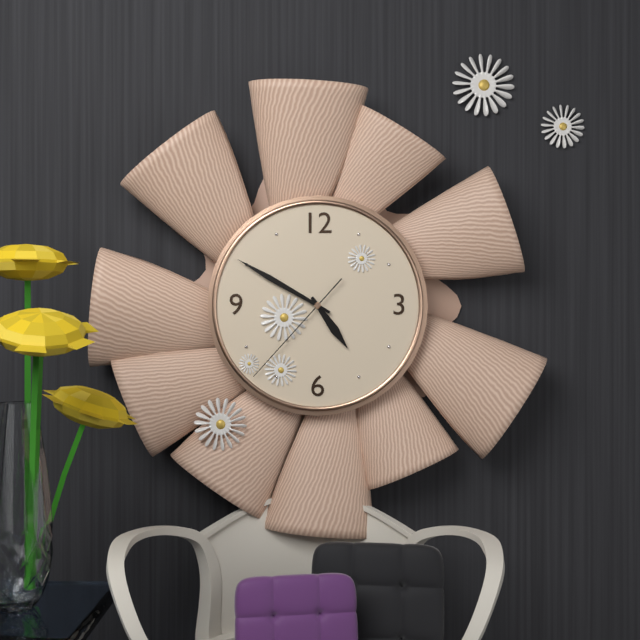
4.50.37
